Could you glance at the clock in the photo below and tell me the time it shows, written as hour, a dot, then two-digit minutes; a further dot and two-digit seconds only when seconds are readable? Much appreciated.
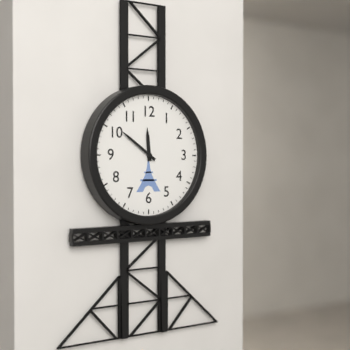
11.51
